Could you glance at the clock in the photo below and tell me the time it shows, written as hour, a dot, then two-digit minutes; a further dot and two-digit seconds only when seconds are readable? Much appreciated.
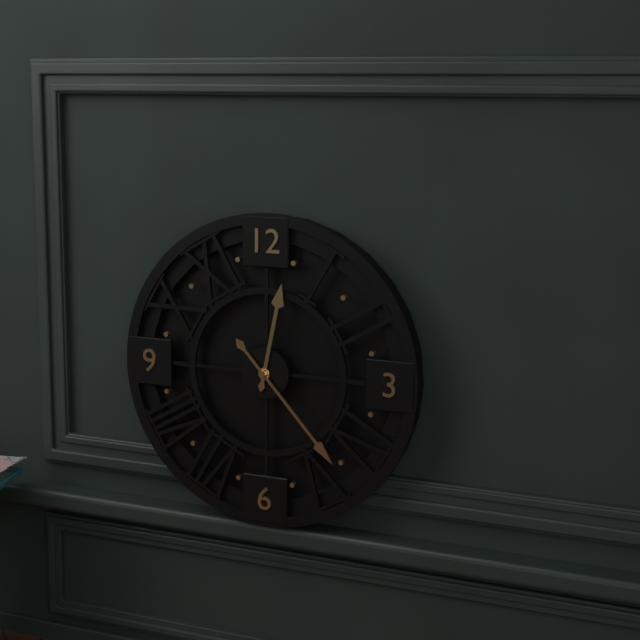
12.23
